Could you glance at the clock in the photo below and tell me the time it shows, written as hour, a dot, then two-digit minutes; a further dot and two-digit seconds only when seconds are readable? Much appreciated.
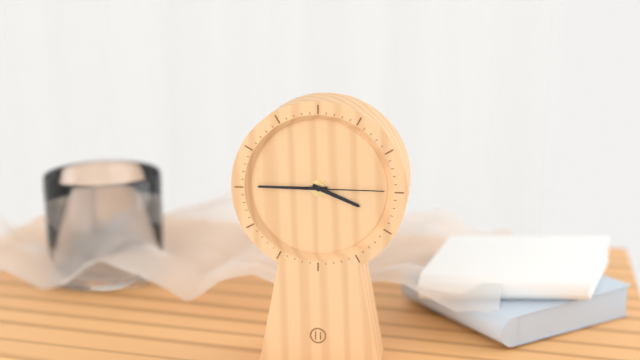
3.45.15
